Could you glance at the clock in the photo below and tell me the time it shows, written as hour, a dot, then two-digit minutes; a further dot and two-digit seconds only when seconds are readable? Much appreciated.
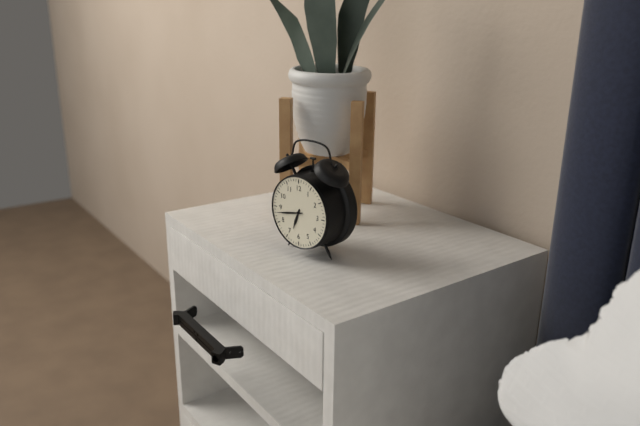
6.43
